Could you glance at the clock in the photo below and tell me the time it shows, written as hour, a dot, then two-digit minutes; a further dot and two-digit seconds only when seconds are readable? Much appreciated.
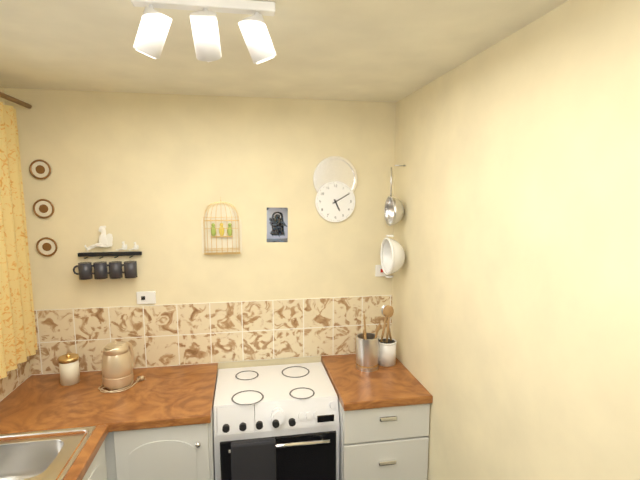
5.10
